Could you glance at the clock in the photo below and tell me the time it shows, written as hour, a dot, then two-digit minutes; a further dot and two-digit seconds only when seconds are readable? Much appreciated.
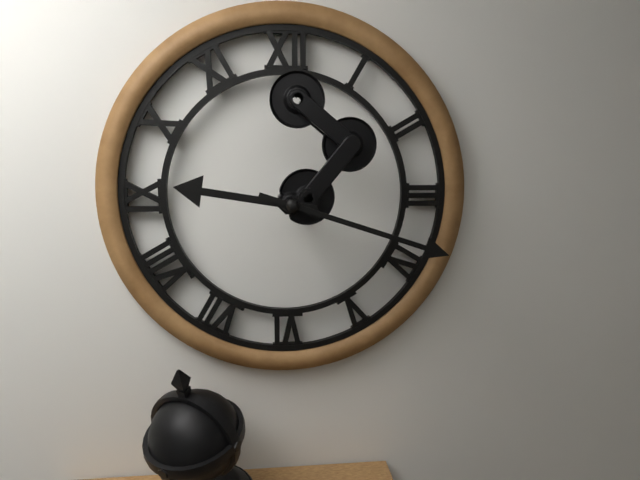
9.18
